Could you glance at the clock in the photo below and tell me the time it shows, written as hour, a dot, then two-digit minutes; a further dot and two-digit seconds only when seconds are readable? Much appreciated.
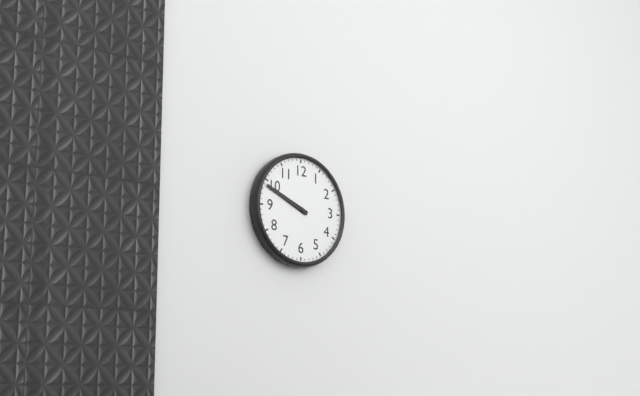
9.49
